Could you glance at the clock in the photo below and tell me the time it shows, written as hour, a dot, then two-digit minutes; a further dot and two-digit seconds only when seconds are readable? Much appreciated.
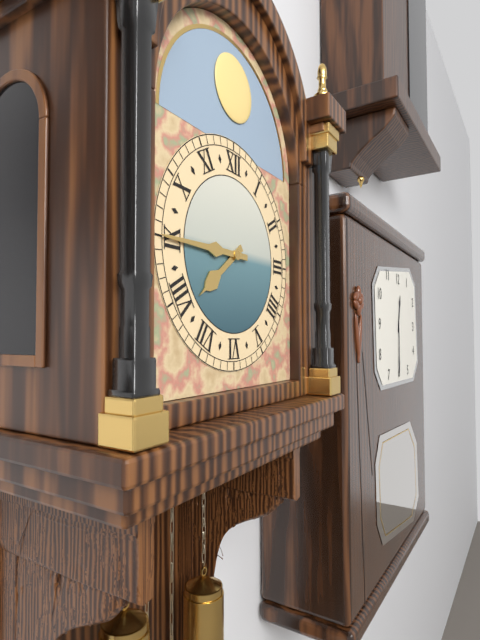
7.45
